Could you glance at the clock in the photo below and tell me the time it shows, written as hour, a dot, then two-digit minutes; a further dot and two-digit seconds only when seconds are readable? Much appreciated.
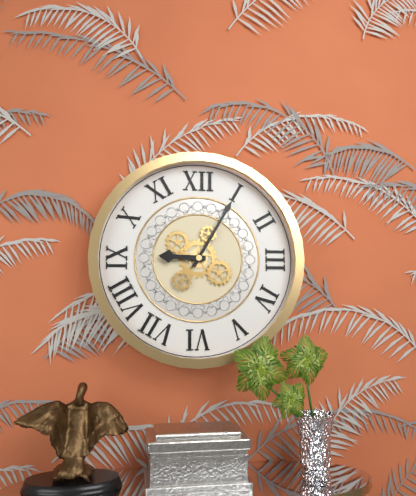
9.05
